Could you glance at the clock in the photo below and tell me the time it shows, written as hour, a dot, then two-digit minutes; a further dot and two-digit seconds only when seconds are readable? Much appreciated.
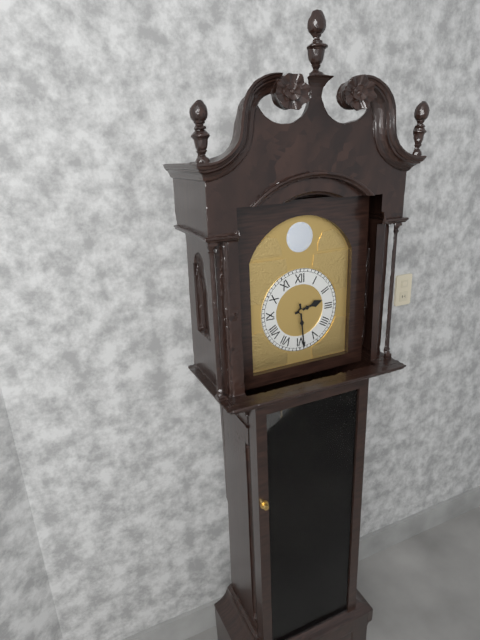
2.29
